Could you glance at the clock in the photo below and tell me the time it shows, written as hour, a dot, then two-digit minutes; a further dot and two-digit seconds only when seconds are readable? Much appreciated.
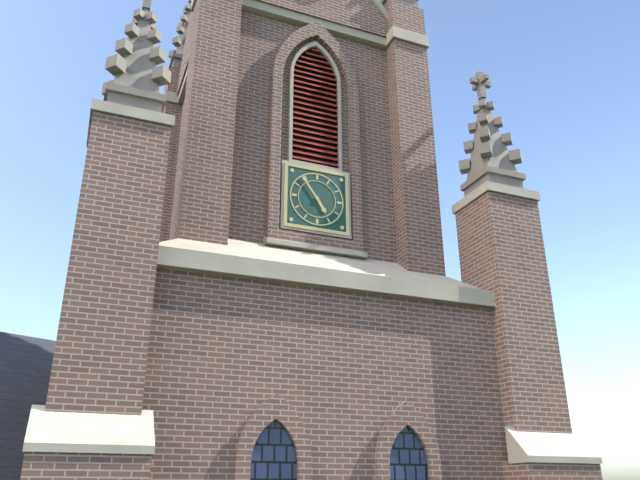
4.54
